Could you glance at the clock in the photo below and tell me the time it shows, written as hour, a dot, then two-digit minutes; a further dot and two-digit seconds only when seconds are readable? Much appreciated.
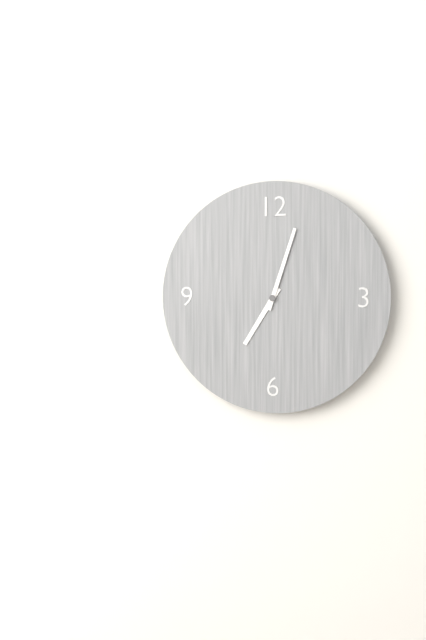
7.03
